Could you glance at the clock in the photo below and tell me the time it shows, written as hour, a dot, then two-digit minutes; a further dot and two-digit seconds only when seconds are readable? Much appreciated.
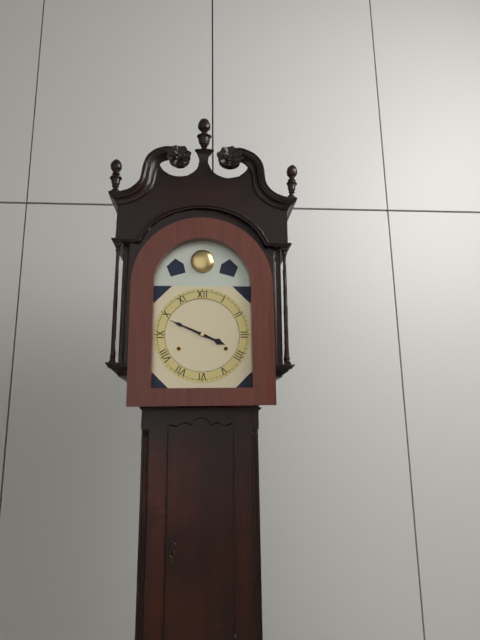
3.49
